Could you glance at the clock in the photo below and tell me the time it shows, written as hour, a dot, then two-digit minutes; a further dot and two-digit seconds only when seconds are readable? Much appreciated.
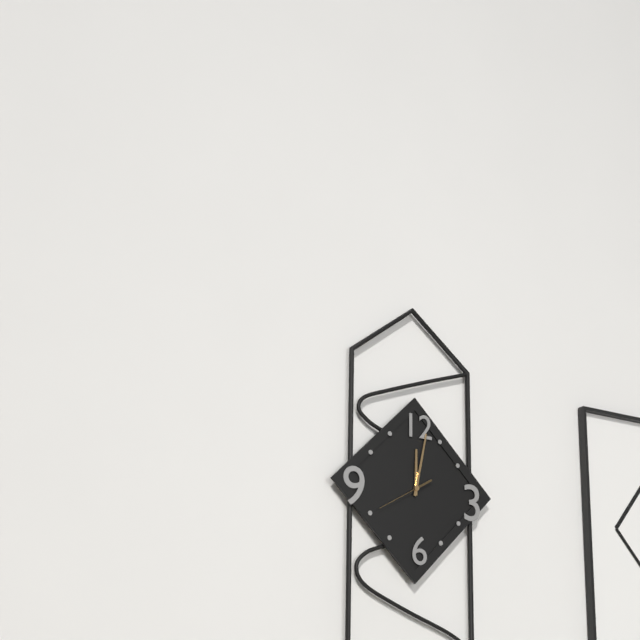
12.02
